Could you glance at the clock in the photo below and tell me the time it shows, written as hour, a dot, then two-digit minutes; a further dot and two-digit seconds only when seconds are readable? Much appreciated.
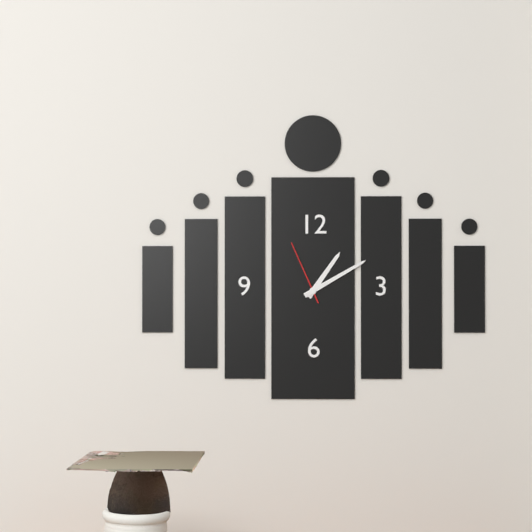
1.10.56
